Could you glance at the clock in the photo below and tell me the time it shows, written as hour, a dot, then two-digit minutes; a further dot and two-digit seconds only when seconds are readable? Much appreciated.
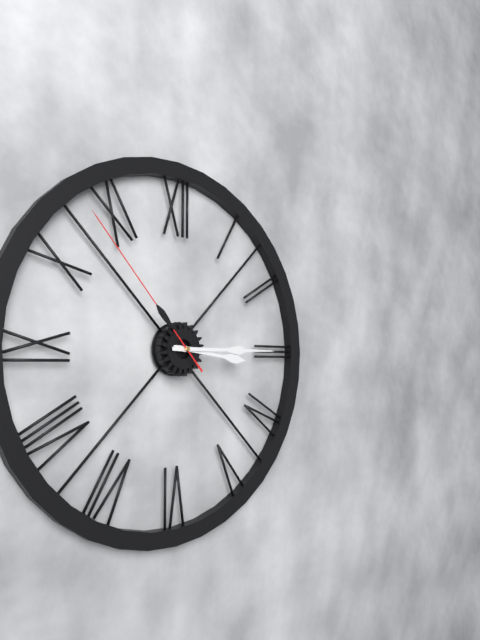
3.15.53
